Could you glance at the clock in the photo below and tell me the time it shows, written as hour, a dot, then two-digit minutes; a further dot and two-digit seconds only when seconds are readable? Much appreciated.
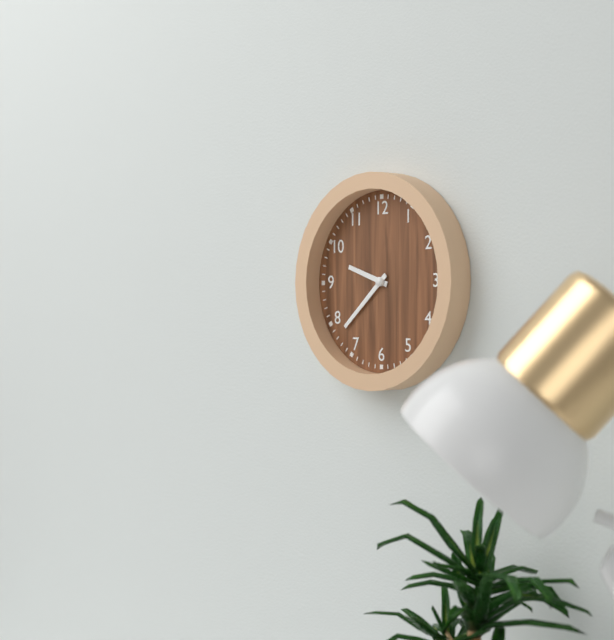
9.38
